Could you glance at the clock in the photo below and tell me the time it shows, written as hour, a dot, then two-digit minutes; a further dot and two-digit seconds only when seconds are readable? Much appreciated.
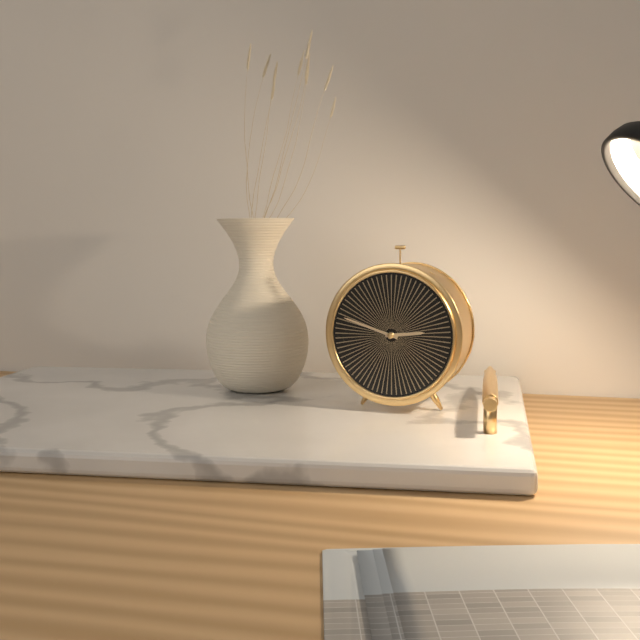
2.48
